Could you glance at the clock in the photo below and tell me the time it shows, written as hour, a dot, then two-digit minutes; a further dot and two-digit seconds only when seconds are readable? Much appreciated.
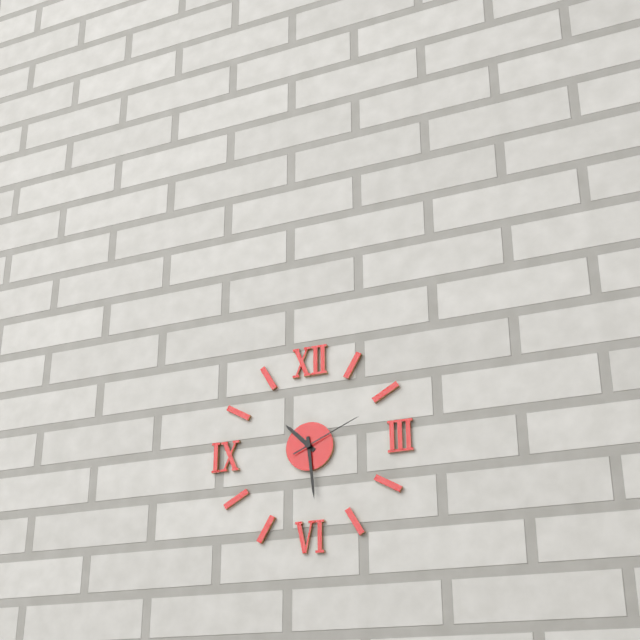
10.29.11
